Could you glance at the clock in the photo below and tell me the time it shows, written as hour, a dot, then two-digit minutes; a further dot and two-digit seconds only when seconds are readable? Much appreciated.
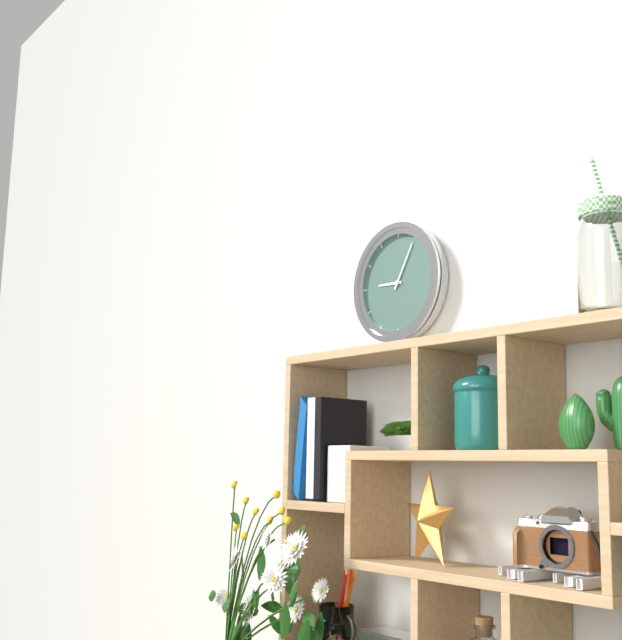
9.05
